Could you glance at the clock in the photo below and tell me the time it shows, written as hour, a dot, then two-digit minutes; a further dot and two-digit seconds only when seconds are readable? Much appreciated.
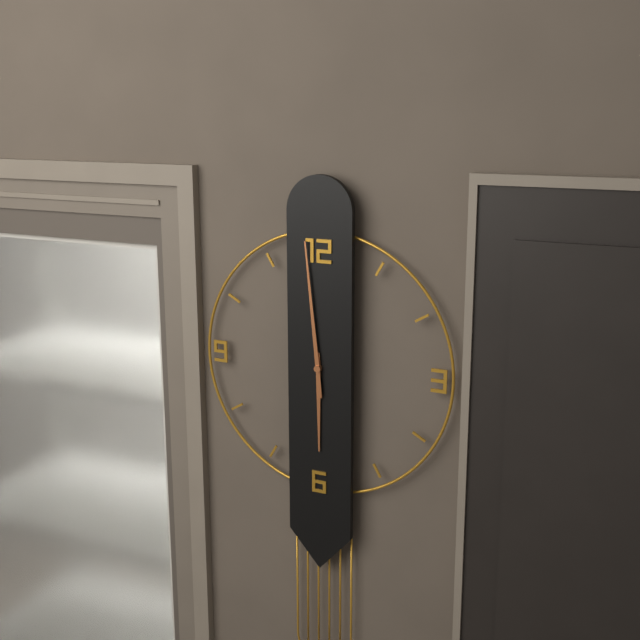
5.59
